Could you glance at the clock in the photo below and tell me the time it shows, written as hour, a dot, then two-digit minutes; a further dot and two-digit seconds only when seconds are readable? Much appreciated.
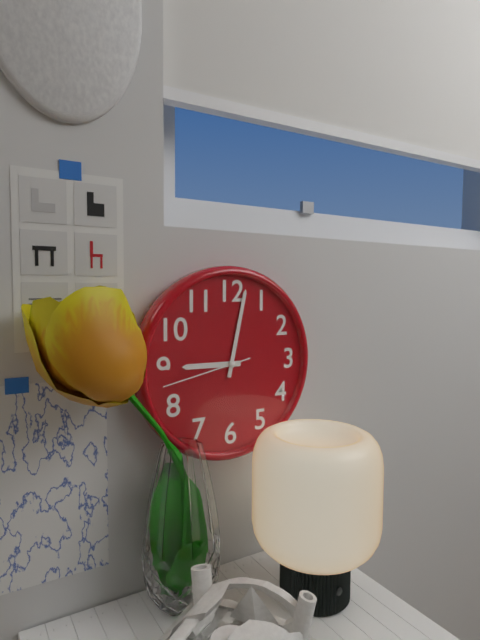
9.02.43
